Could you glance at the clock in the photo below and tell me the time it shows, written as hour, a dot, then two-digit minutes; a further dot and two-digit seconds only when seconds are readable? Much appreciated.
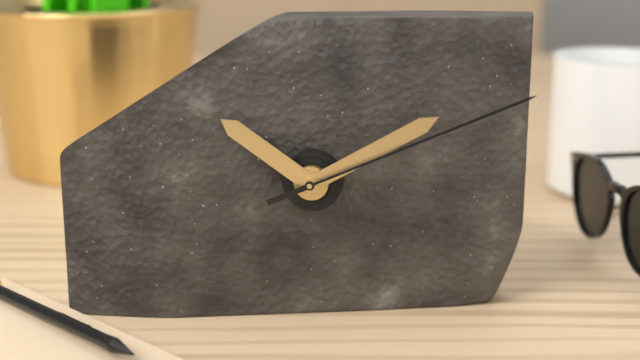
10.10.11
